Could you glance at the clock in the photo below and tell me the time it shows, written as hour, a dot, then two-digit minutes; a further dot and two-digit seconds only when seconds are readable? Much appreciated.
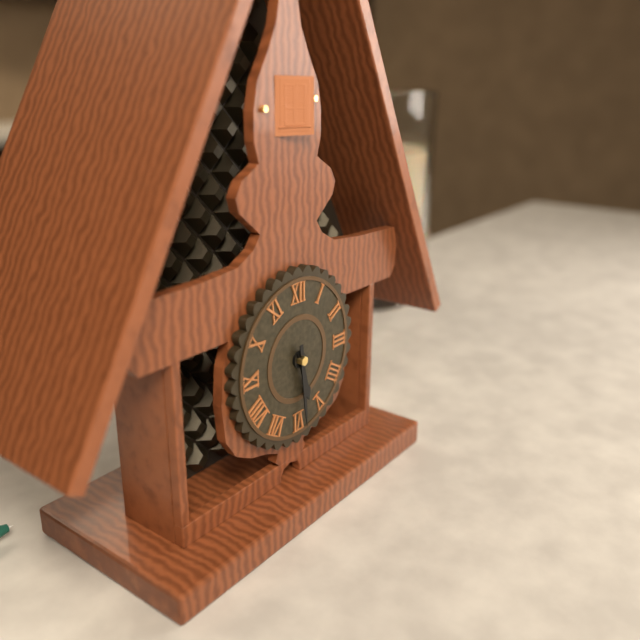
5.29
